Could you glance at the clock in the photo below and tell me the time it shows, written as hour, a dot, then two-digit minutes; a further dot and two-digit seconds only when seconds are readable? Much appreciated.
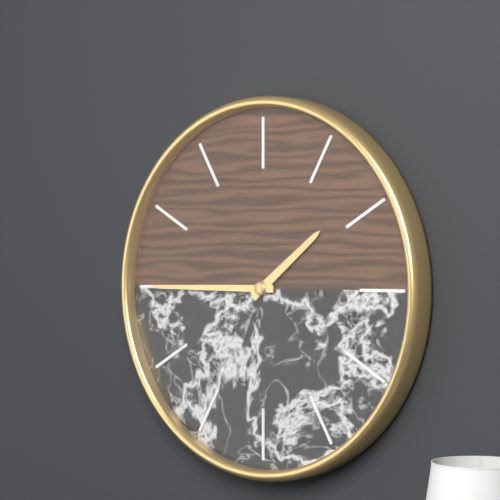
1.45
